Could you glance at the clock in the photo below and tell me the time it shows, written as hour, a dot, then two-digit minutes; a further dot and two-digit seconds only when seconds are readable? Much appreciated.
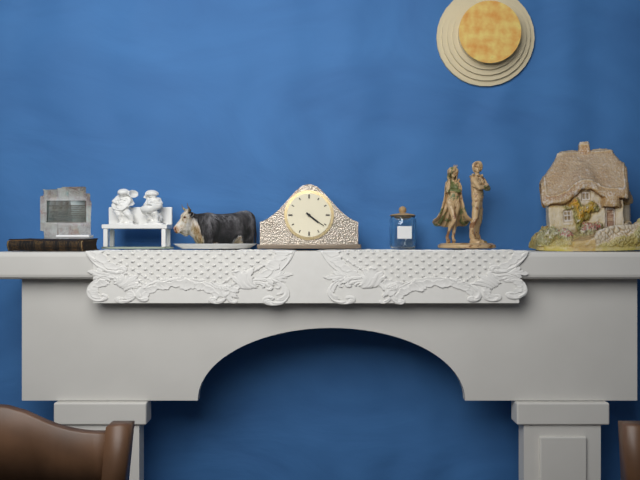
4.21
